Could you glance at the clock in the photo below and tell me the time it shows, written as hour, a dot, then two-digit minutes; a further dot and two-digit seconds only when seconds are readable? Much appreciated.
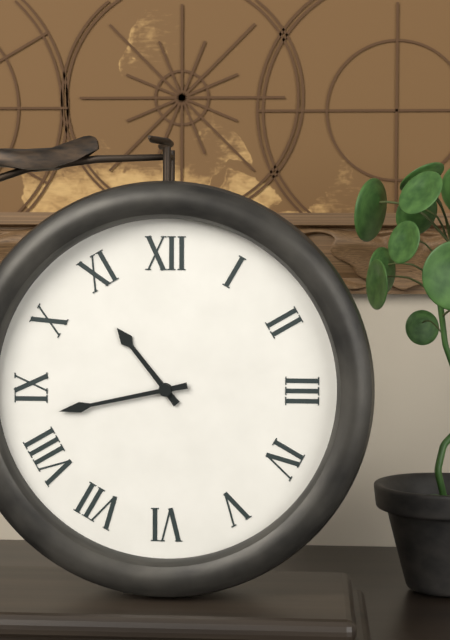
10.43
